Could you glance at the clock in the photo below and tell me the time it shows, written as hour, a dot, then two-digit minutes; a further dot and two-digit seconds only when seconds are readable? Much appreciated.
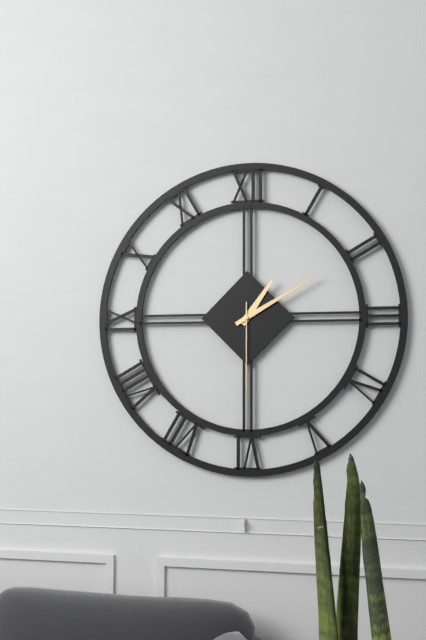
1.10.30
